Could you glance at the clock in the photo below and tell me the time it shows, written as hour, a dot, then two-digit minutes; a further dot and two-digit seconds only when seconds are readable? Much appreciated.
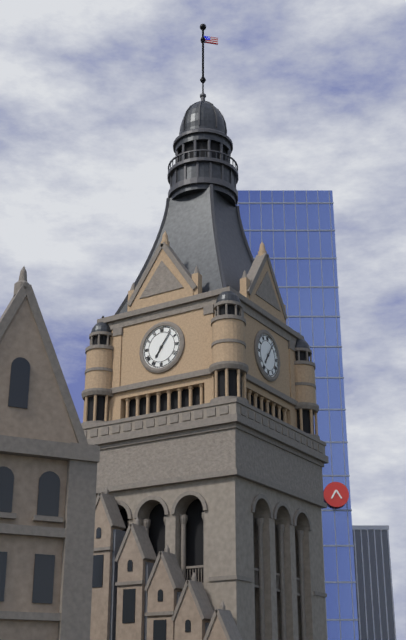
7.06
